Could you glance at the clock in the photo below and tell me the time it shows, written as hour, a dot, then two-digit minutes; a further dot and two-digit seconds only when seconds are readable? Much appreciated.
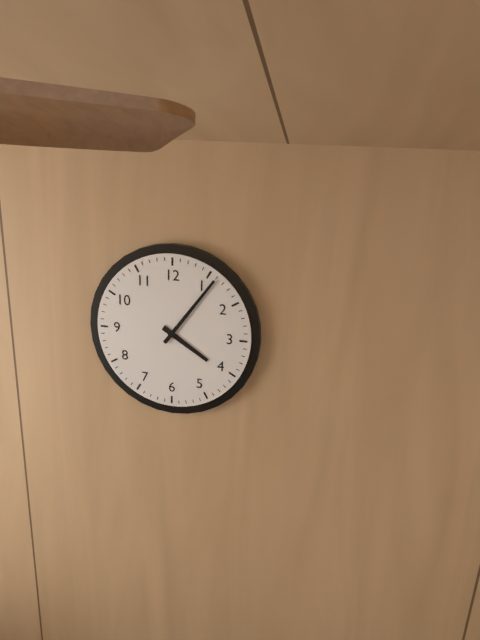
4.06
